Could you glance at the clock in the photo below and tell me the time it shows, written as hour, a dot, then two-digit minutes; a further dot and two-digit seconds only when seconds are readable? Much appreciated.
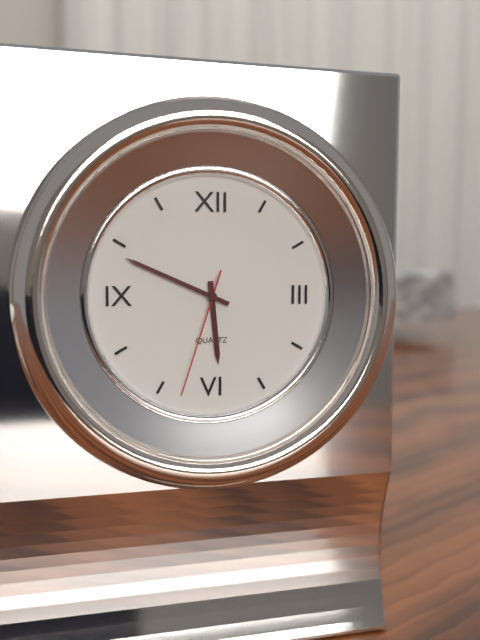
5.49.33
